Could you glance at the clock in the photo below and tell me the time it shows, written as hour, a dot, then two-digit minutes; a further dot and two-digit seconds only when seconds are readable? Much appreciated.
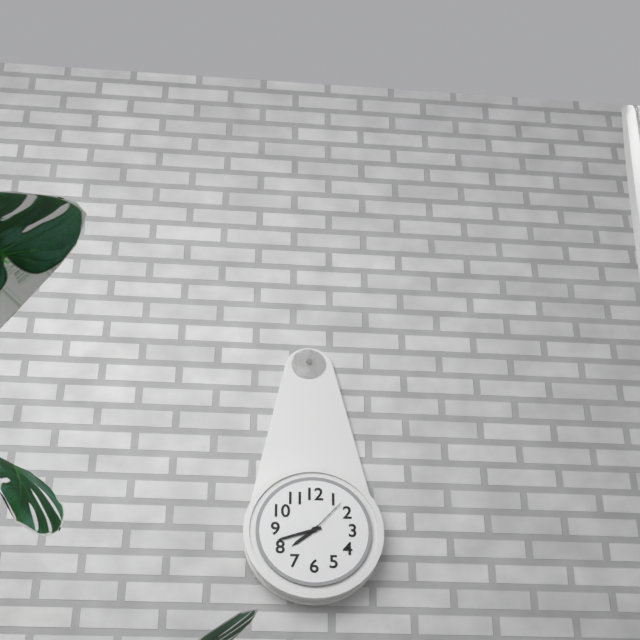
7.42
